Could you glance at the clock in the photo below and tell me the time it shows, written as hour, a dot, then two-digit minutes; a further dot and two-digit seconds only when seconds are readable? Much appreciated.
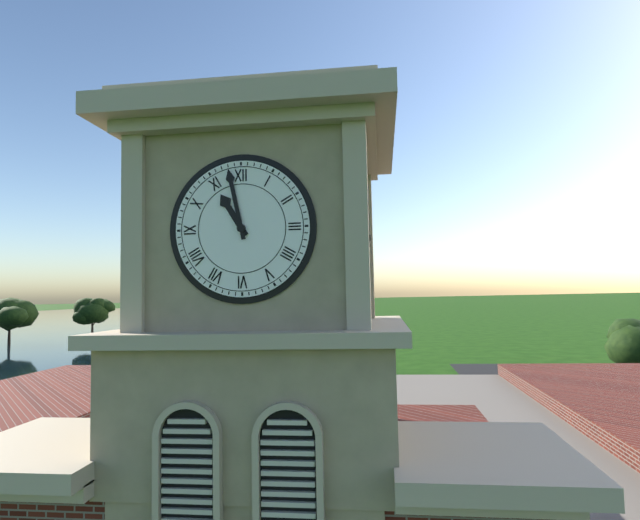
10.58
